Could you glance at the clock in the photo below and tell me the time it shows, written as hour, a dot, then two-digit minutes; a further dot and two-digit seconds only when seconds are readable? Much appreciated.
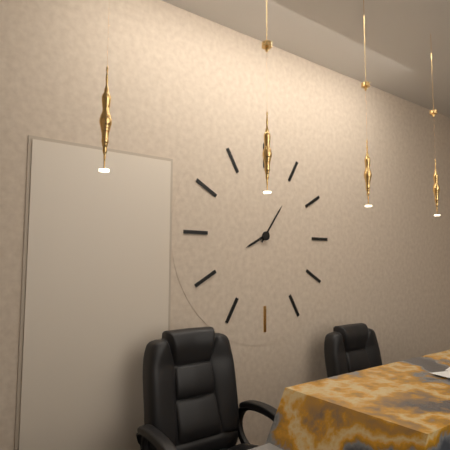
8.06
